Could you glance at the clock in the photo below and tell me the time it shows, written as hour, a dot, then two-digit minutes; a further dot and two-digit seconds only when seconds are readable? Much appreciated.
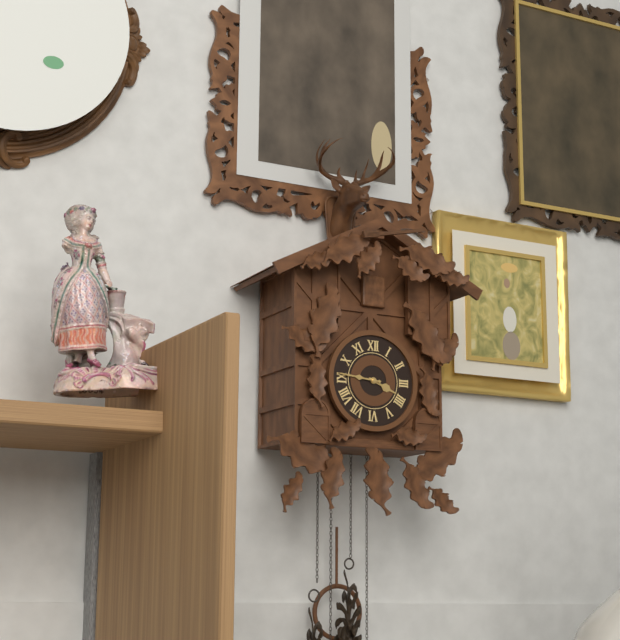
3.46
